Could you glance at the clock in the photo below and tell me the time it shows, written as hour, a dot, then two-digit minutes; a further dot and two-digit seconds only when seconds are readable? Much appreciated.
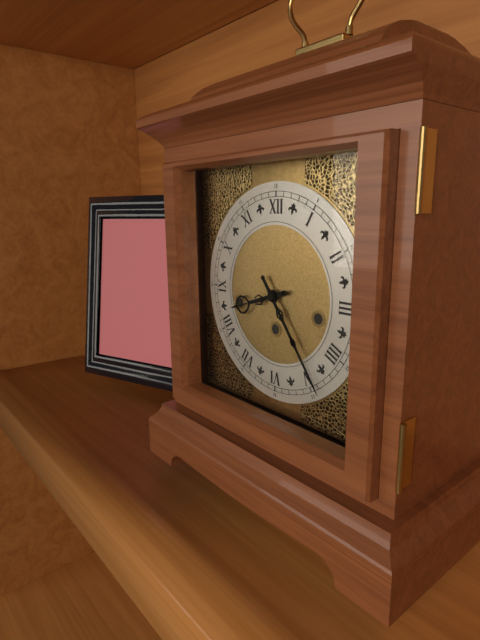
8.24
